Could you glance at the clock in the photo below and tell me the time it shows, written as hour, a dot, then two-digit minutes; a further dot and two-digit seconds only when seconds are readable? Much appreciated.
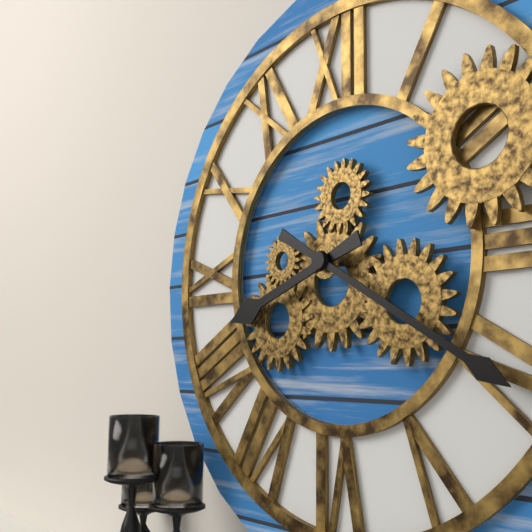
8.20
